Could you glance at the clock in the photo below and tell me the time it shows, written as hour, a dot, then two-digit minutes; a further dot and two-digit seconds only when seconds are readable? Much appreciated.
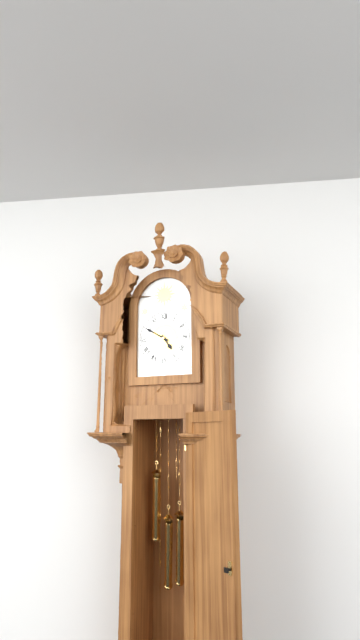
4.50
